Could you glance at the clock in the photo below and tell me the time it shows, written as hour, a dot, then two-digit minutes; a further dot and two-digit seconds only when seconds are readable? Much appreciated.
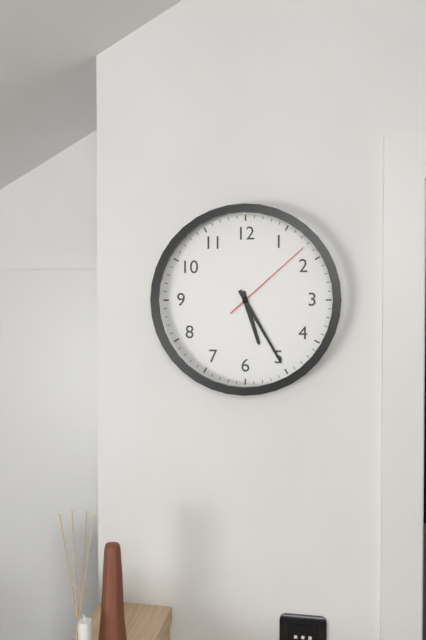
5.25.08
